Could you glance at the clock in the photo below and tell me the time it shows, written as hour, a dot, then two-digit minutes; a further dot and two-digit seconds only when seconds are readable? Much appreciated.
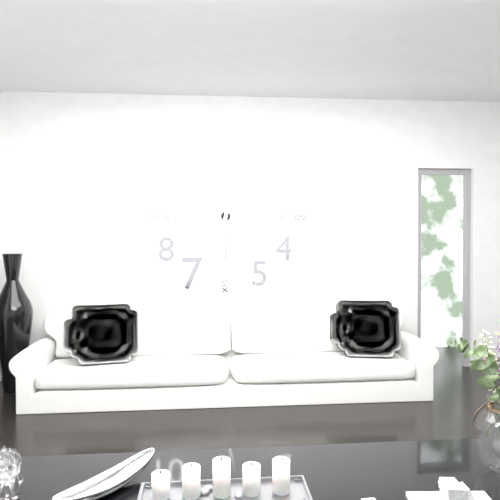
12.30
